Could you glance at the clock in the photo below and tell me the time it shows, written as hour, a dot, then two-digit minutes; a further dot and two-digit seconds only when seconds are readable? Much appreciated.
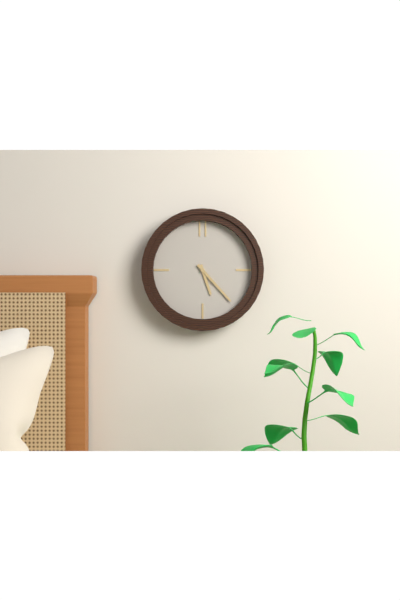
5.23
